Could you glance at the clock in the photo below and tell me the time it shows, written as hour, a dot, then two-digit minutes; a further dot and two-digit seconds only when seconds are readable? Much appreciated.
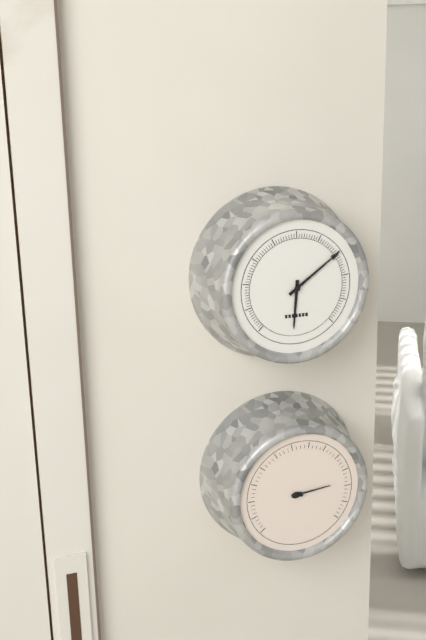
6.09
